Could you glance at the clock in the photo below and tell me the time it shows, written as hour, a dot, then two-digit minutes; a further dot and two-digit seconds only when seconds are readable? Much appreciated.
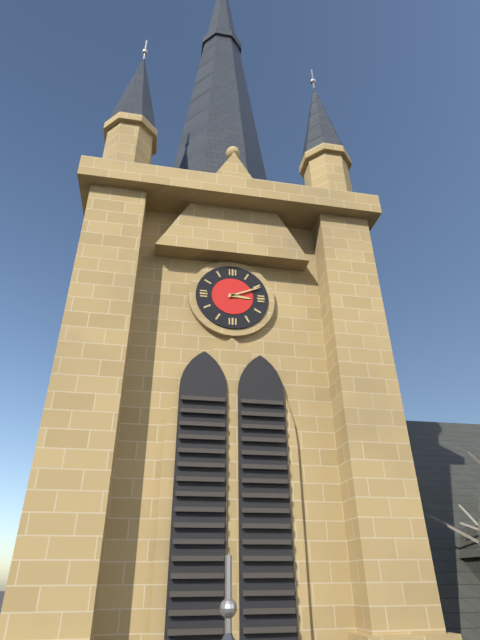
3.11
